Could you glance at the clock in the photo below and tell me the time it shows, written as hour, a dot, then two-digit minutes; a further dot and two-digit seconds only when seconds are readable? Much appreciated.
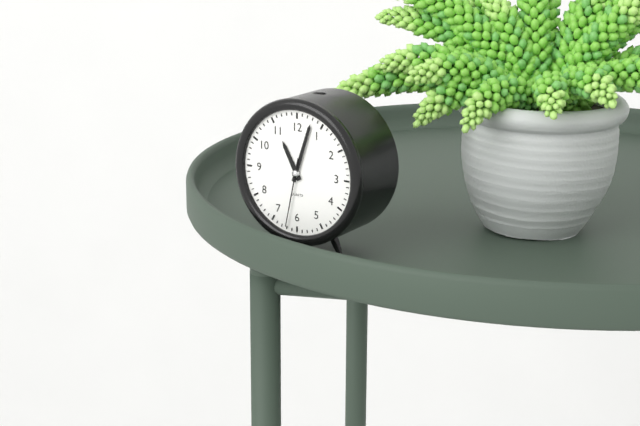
11.03.32
